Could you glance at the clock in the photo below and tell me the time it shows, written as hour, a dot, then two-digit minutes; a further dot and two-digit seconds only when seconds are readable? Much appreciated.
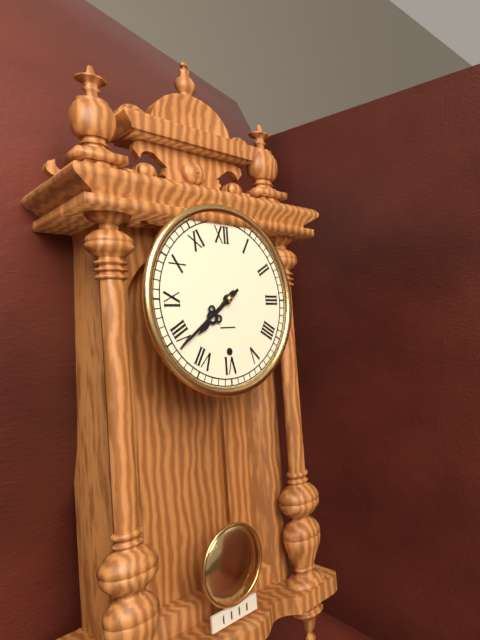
7.39
